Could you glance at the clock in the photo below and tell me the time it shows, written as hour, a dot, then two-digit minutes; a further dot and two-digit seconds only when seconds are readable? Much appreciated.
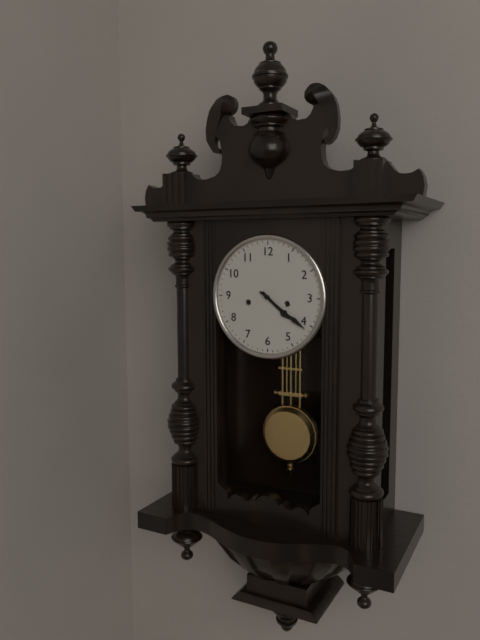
4.21
